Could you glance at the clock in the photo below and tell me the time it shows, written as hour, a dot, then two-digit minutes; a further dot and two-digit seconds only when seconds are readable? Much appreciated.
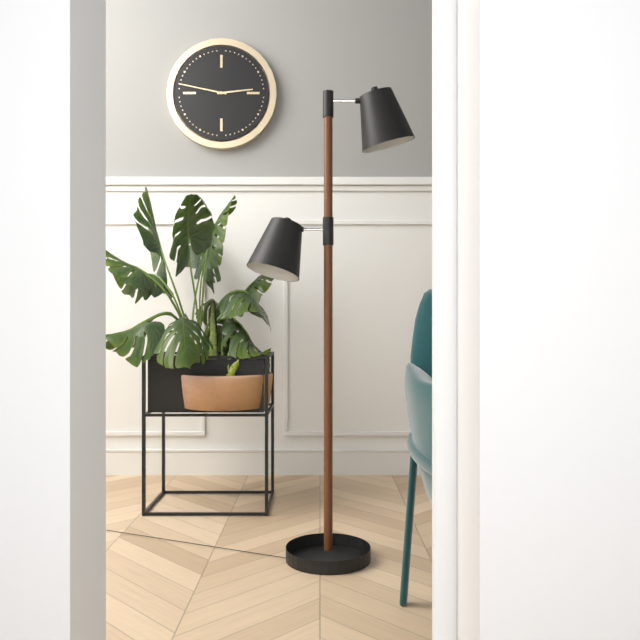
2.47
